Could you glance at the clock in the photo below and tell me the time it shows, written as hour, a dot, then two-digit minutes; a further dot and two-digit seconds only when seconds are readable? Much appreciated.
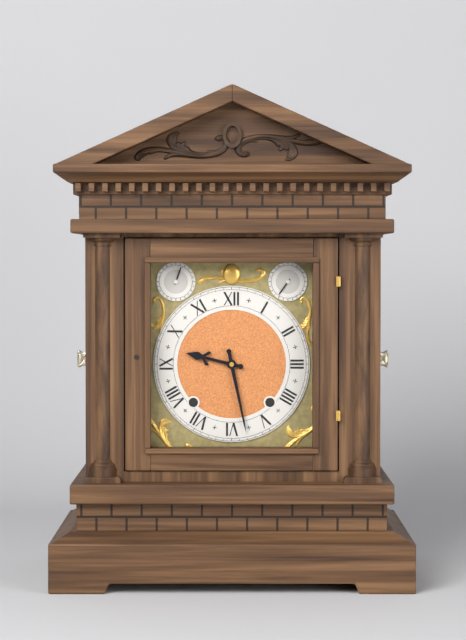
9.28
